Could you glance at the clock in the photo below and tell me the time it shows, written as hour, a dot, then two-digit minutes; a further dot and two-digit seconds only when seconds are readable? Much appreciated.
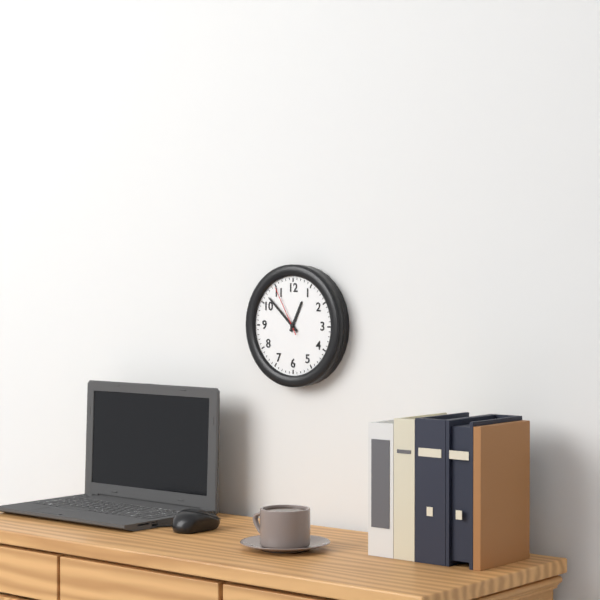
12.52.55
